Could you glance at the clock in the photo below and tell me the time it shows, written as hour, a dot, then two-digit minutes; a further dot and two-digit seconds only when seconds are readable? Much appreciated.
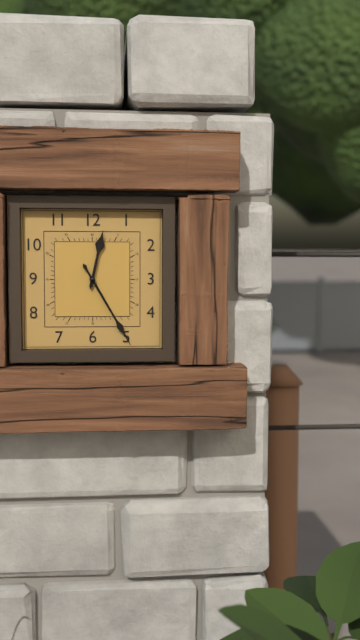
12.25
